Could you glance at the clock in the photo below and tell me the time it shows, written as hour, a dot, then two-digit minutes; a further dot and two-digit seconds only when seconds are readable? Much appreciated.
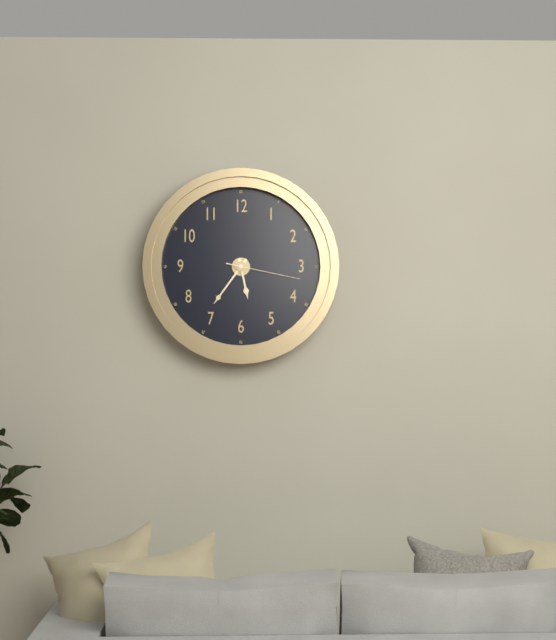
5.36.17
